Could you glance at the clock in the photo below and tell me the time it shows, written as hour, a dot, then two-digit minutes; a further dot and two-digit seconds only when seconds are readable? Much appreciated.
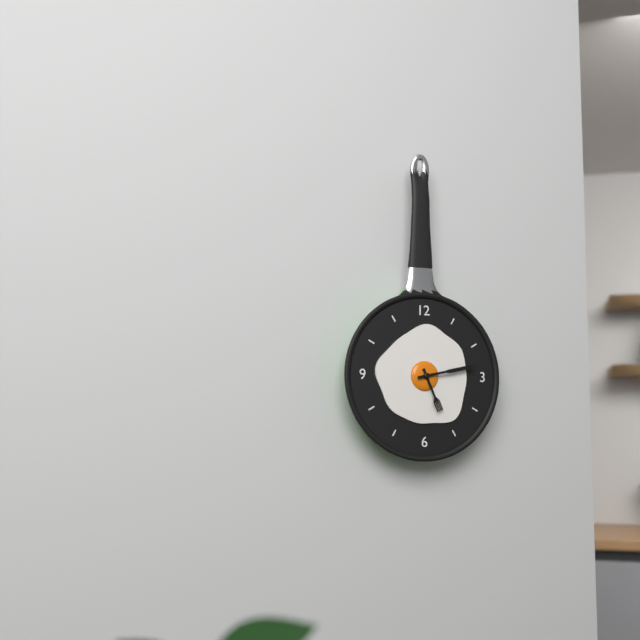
5.13
